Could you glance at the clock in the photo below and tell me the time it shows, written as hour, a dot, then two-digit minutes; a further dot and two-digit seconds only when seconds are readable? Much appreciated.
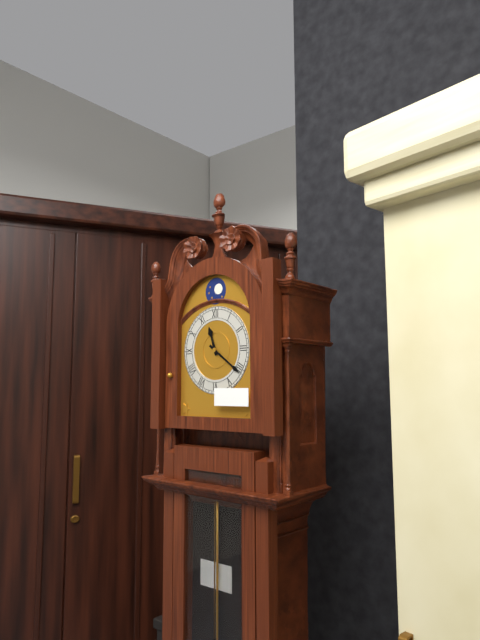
11.21
